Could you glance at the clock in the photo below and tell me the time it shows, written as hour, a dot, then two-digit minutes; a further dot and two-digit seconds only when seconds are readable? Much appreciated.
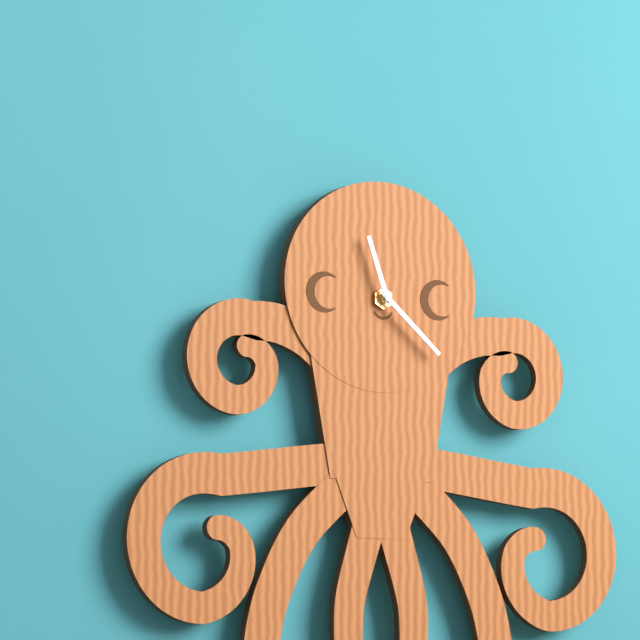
11.22
